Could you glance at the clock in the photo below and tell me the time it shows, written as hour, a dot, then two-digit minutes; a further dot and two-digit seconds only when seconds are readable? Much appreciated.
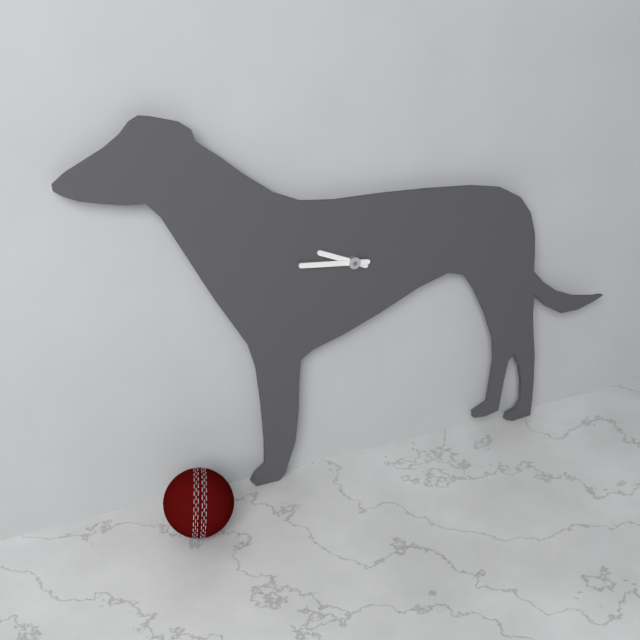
9.46
